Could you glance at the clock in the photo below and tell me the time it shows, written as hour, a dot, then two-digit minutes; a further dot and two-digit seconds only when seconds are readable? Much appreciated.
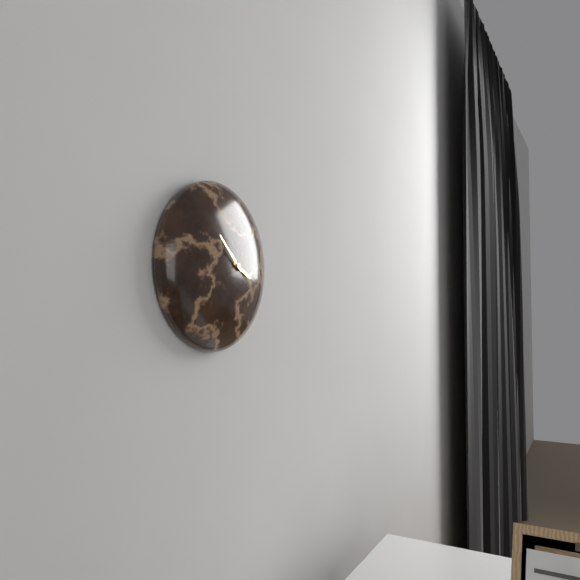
3.52
